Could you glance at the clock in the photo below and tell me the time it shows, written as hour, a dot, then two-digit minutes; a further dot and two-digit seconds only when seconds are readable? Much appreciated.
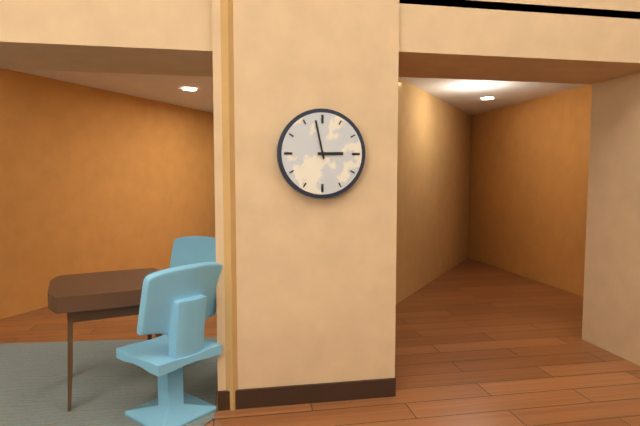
2.58
